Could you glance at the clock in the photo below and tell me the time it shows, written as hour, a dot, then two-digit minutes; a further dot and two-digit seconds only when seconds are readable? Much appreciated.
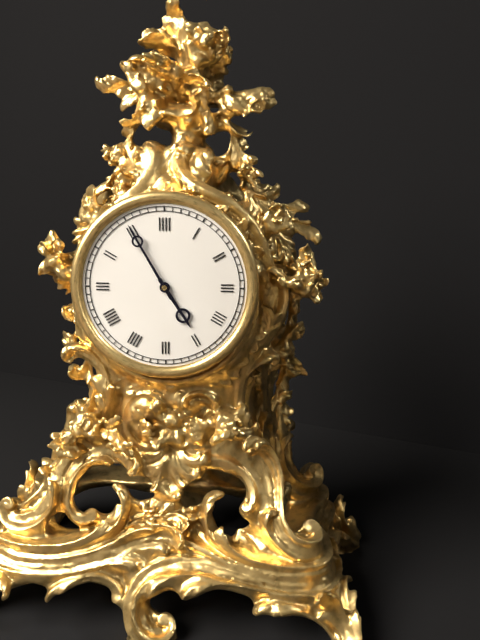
4.55
